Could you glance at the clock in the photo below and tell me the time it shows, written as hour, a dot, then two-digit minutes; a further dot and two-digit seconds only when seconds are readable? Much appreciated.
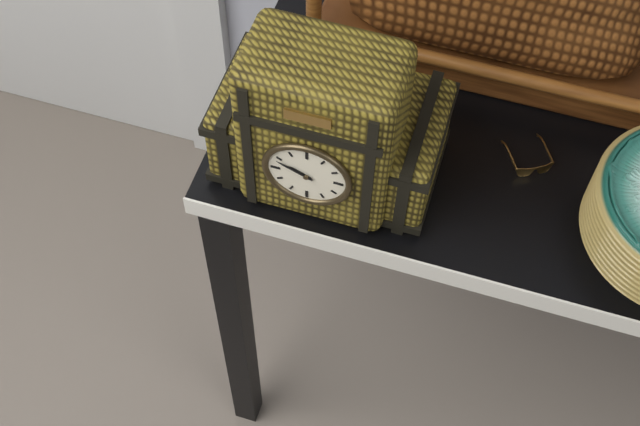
9.49
